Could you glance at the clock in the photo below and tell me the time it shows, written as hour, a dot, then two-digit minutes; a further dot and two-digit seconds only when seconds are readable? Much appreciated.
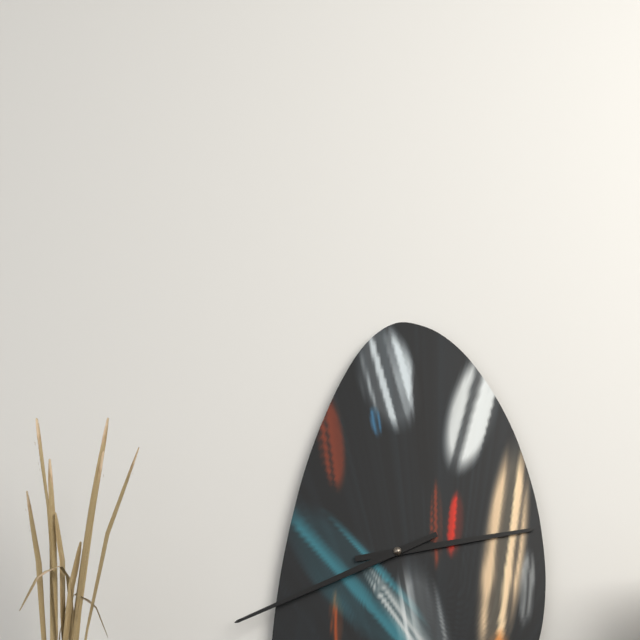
2.41
